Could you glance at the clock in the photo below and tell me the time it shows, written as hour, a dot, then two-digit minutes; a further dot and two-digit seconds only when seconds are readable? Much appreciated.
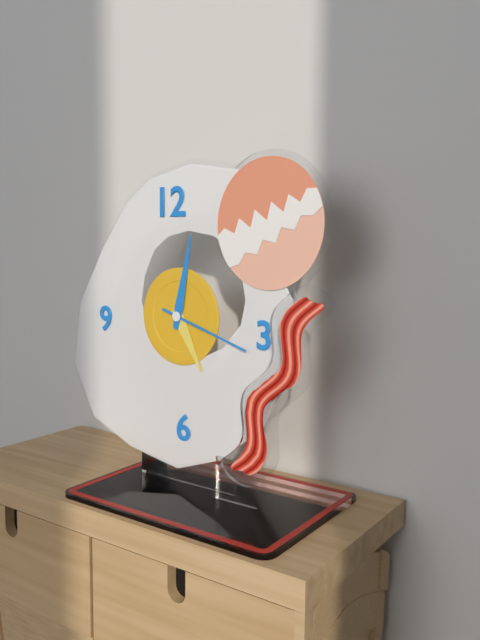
5.02.18
